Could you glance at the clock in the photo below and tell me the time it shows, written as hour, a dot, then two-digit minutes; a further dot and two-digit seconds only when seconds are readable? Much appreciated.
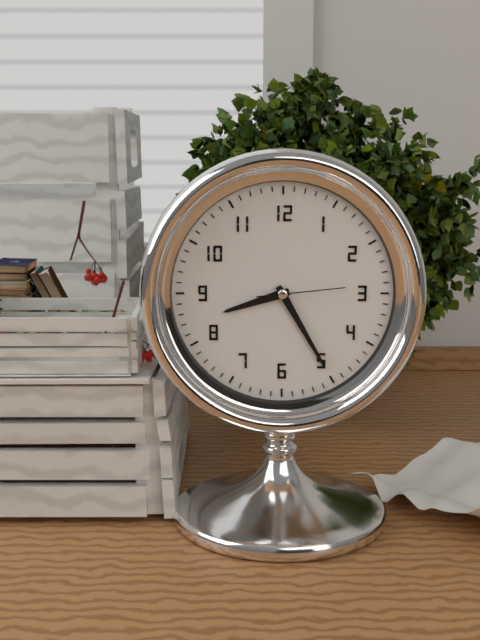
8.25.14
